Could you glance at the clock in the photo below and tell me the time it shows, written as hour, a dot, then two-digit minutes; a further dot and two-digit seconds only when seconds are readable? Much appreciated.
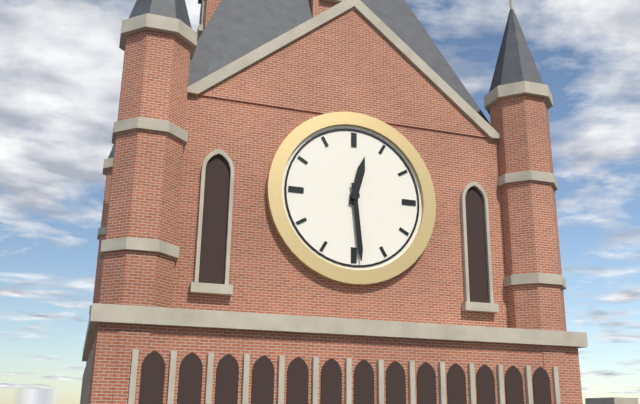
12.29
